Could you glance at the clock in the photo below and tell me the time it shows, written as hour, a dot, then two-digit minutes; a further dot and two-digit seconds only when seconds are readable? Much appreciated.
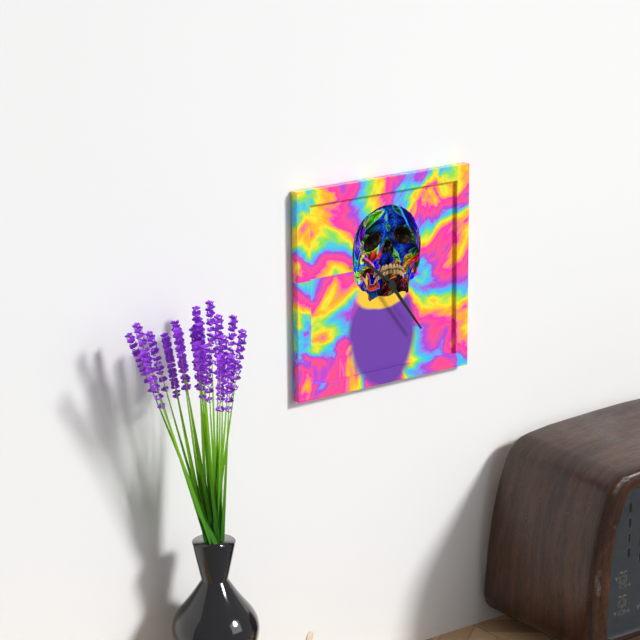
10.24
